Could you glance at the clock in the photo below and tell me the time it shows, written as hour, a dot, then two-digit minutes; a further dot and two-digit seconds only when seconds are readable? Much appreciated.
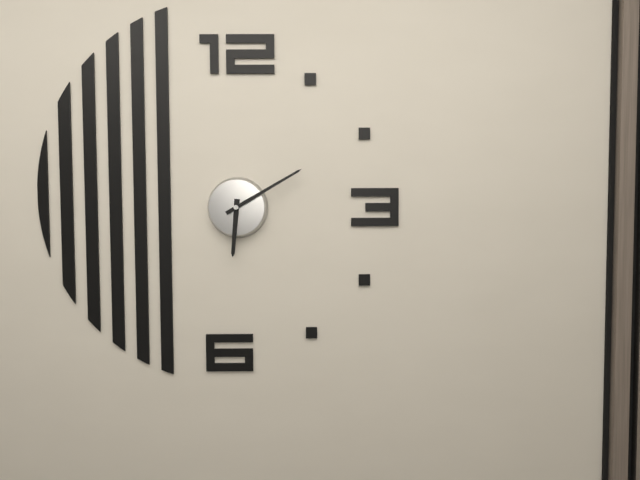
6.10
